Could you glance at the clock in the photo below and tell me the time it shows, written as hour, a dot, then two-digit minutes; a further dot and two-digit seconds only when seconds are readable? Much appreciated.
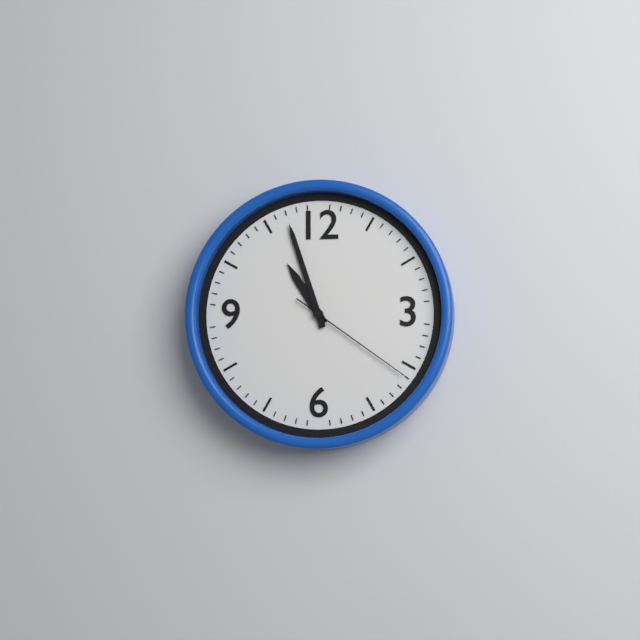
10.57.21
